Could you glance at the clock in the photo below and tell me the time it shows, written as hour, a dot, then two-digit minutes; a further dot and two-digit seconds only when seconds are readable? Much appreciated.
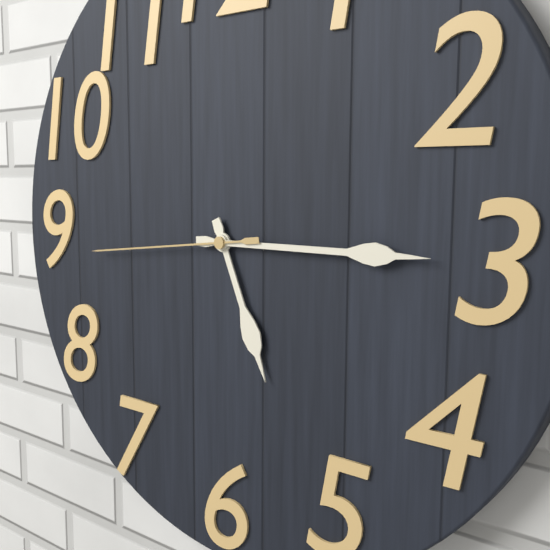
5.15.44
